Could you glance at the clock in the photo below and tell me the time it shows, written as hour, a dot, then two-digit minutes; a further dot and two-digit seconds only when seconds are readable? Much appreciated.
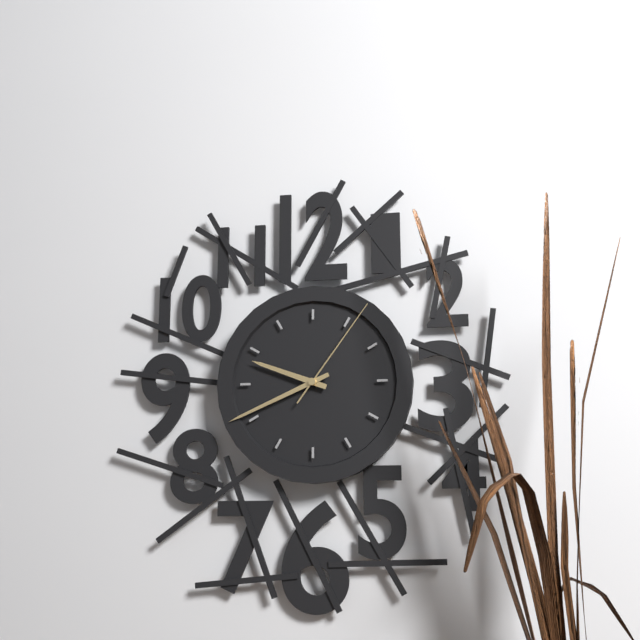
9.41.06
